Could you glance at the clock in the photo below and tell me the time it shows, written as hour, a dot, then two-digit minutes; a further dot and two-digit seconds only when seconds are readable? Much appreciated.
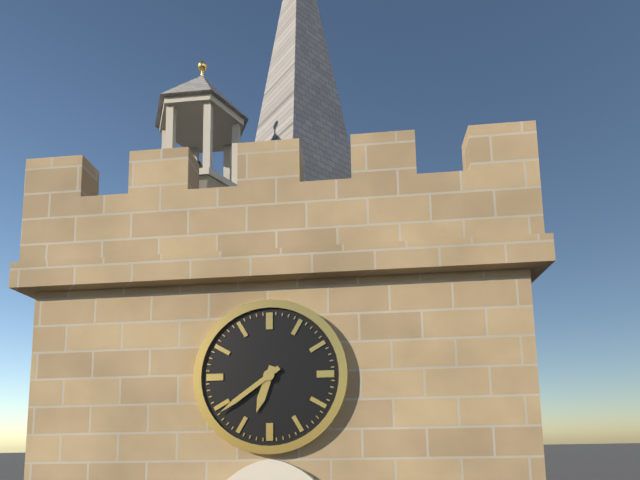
6.39
